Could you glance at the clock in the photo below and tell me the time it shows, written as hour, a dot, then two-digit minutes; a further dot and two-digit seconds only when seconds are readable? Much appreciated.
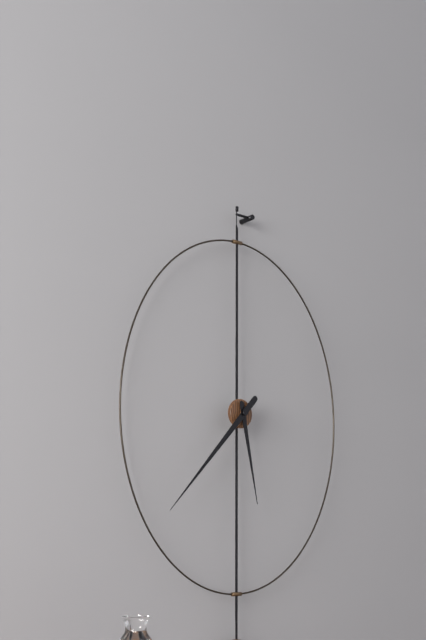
5.37
